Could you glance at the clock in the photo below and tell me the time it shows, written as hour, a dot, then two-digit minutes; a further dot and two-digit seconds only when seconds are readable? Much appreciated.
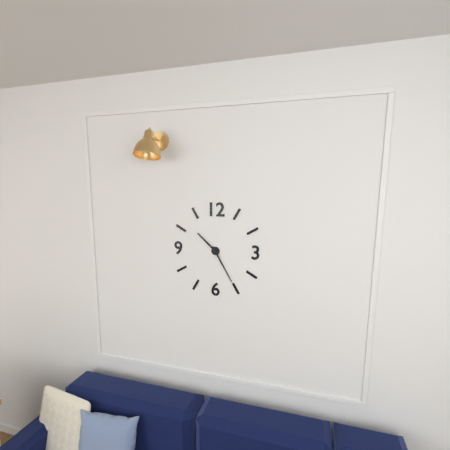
10.25
